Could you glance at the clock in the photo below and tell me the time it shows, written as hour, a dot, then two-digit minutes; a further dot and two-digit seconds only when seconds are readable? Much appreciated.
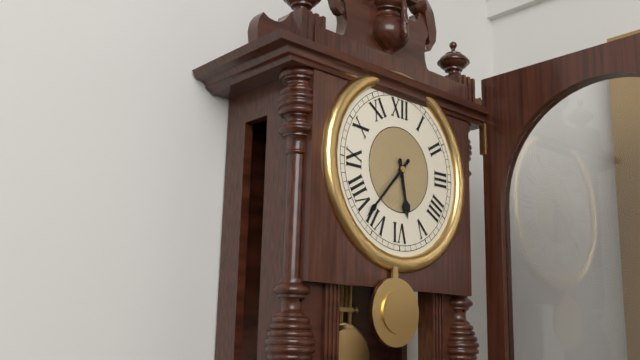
5.37
